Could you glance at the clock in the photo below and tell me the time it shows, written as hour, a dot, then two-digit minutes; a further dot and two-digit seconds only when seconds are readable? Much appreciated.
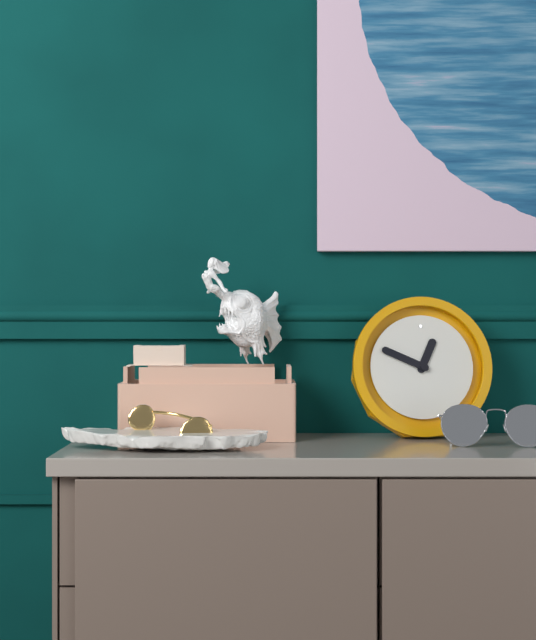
12.49
